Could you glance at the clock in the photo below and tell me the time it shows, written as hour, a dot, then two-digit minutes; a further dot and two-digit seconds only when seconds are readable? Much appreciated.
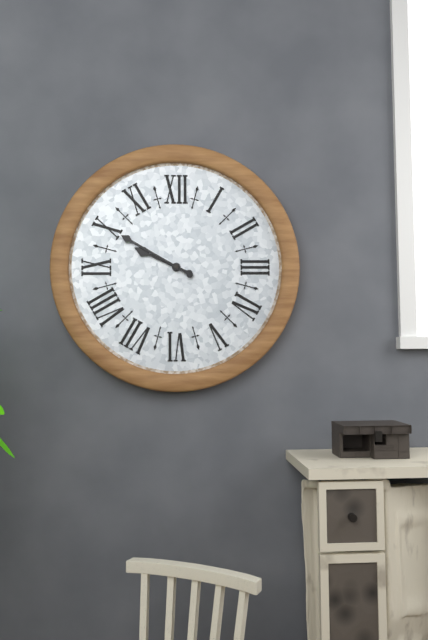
9.50
